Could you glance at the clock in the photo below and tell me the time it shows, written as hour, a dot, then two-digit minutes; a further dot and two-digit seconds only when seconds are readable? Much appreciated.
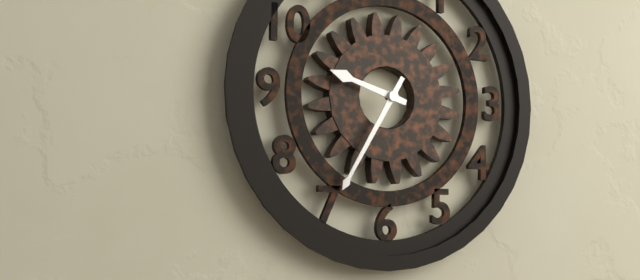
9.35
